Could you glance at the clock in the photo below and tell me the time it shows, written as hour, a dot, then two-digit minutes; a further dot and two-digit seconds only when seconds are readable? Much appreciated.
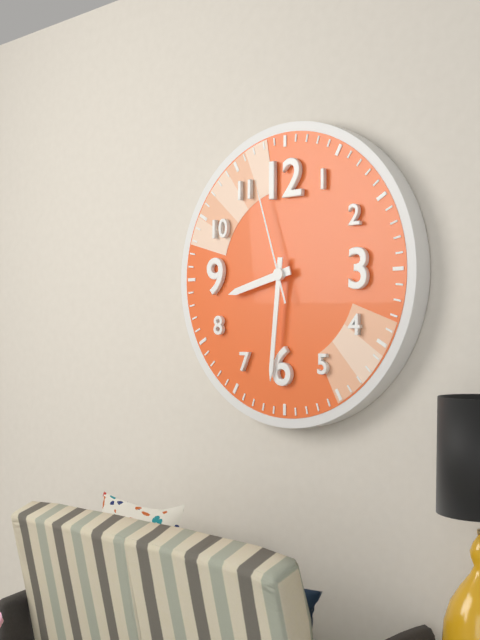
8.31.57
